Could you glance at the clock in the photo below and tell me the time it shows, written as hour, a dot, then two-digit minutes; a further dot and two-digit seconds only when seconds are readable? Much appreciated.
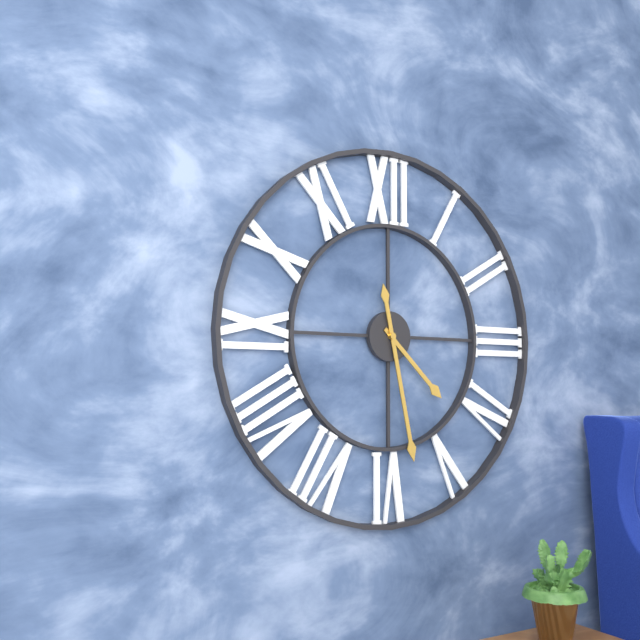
4.28
